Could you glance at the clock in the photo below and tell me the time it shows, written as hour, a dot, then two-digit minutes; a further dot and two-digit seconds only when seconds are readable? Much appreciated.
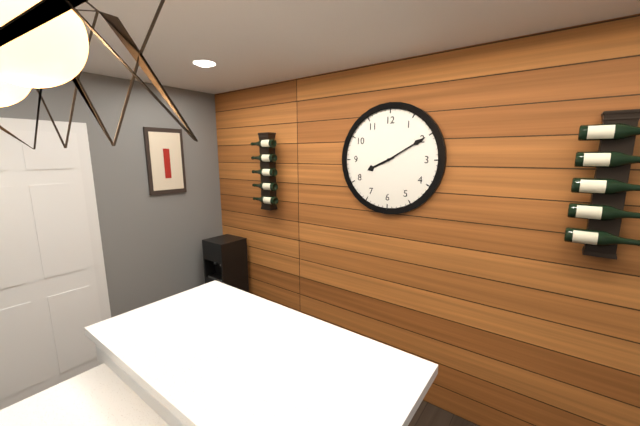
8.10
